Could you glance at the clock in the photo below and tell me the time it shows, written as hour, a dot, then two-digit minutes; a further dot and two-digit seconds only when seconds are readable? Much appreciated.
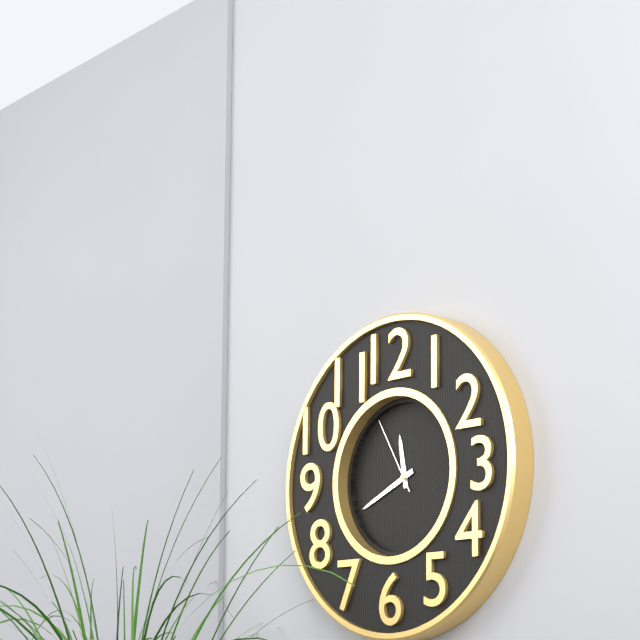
11.41.55
